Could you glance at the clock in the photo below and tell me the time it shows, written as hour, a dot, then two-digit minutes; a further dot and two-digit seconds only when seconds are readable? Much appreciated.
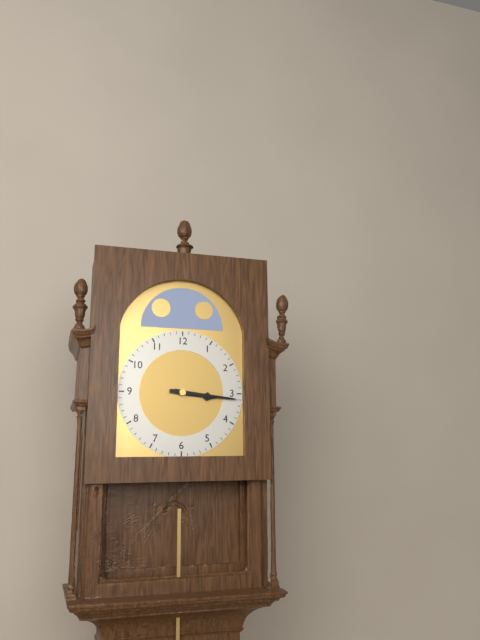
3.16
